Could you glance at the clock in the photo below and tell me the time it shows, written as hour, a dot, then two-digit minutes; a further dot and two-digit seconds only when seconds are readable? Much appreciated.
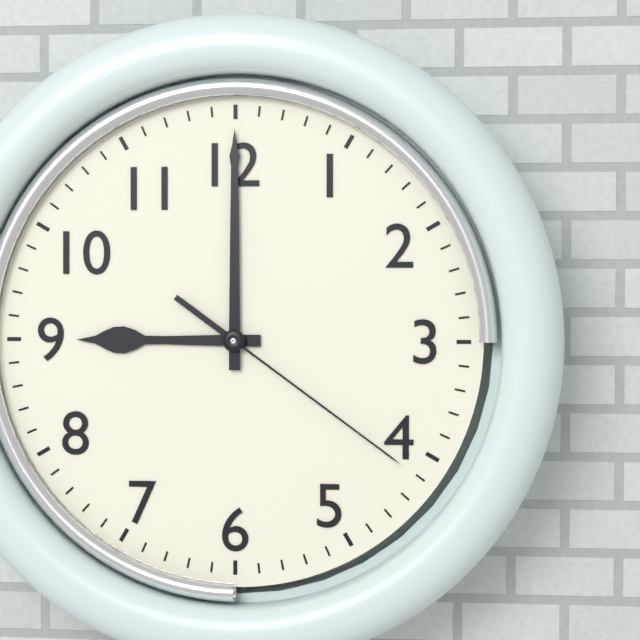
9.00.21
